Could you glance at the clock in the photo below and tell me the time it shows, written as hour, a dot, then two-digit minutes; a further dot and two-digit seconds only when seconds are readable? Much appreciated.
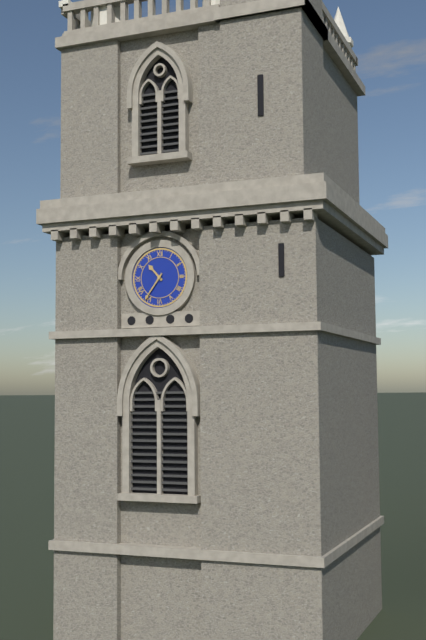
10.36
